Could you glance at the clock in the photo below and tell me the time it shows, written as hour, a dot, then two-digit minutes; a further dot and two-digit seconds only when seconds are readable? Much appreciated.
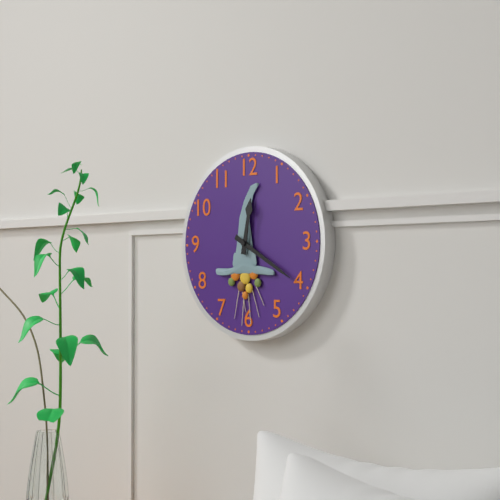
12.20
